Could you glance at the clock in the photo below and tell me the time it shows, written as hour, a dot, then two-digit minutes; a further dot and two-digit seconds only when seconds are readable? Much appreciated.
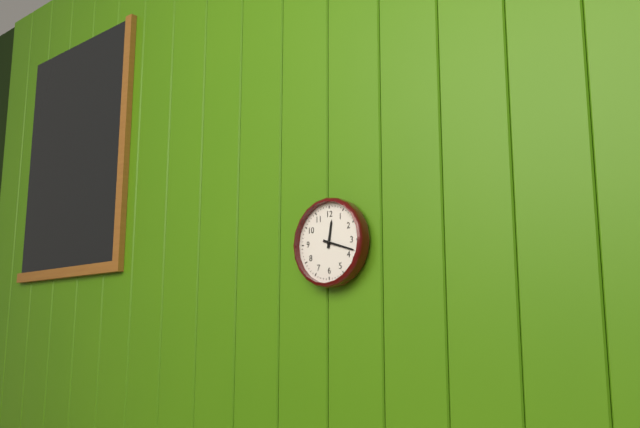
12.18
